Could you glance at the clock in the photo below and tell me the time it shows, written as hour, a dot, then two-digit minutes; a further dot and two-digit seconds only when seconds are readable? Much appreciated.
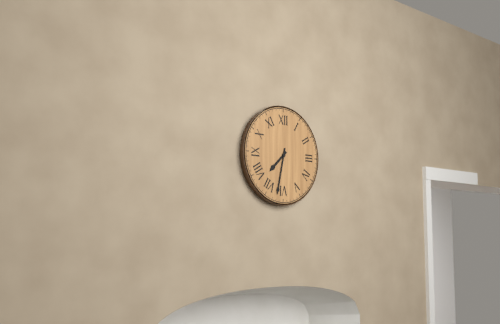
7.32
